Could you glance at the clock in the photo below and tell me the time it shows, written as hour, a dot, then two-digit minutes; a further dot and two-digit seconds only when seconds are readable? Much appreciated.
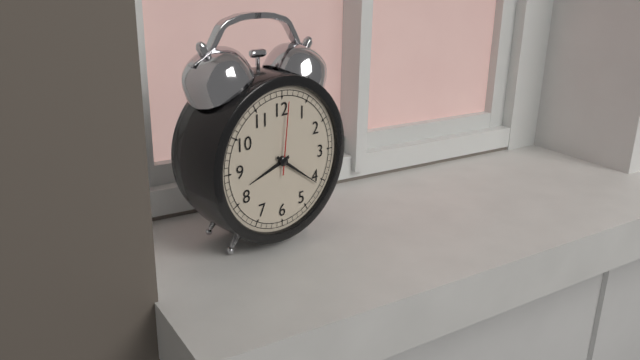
8.21.01
